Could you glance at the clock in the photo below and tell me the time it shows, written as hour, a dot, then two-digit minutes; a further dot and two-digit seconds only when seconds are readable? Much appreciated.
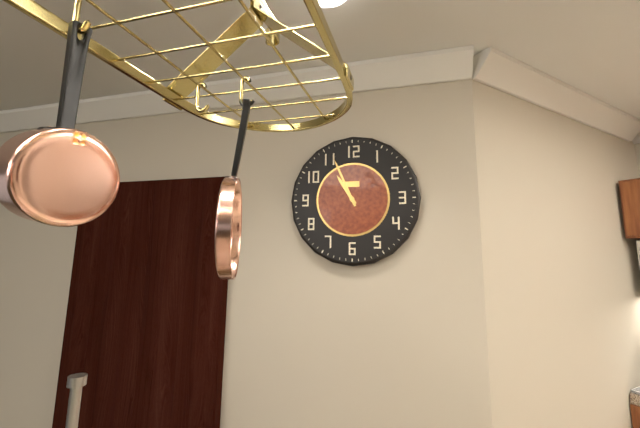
10.56
